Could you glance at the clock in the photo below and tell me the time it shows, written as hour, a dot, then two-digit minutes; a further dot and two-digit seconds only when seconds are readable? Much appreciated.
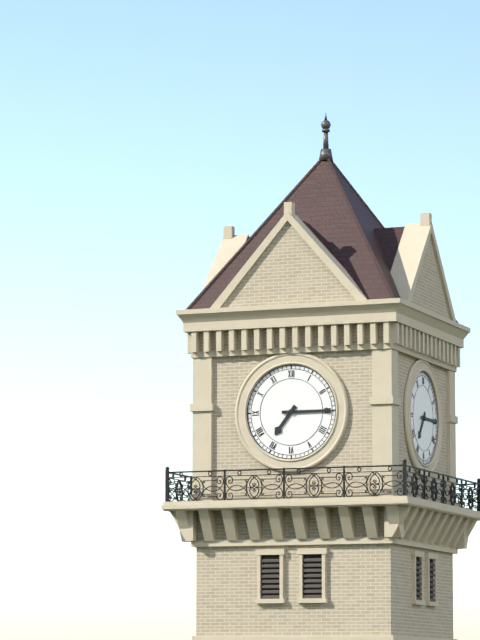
7.15
